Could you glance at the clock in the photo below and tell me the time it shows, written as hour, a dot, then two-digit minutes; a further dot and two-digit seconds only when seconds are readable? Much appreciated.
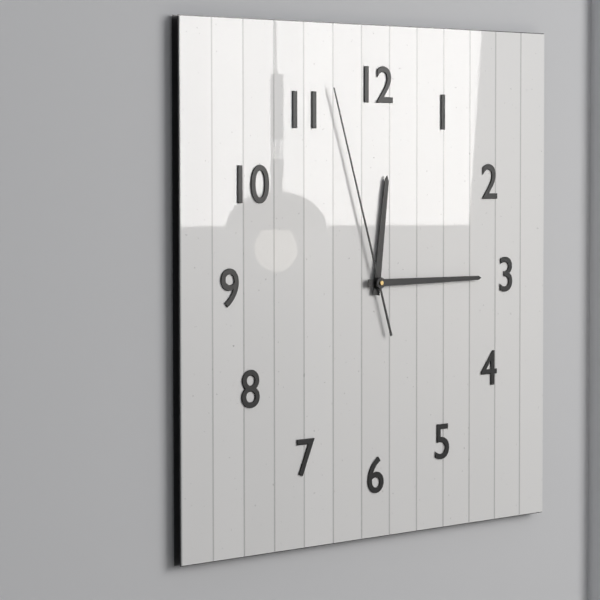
12.15.57
